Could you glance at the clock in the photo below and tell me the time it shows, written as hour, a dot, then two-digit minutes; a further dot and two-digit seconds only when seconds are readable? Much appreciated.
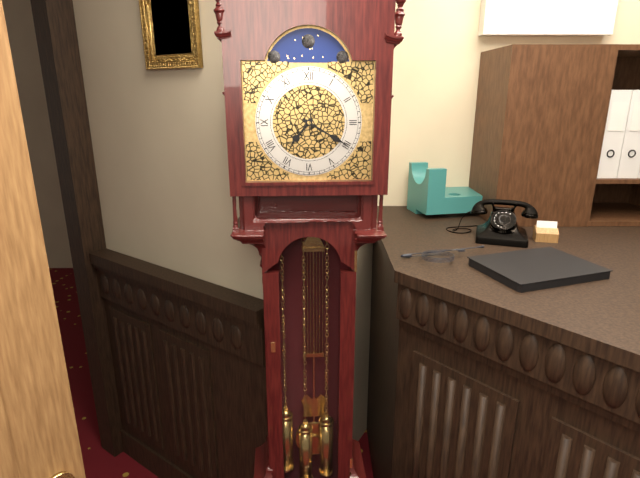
7.20
